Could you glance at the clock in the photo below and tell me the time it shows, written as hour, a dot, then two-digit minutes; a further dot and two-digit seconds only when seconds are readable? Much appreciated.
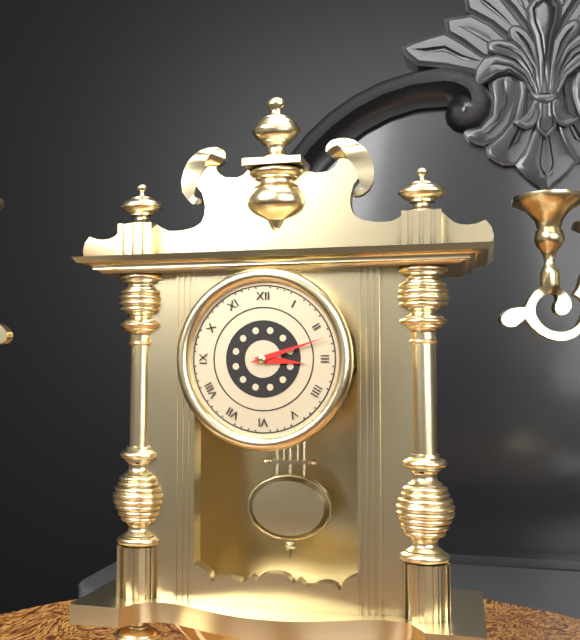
3.12
